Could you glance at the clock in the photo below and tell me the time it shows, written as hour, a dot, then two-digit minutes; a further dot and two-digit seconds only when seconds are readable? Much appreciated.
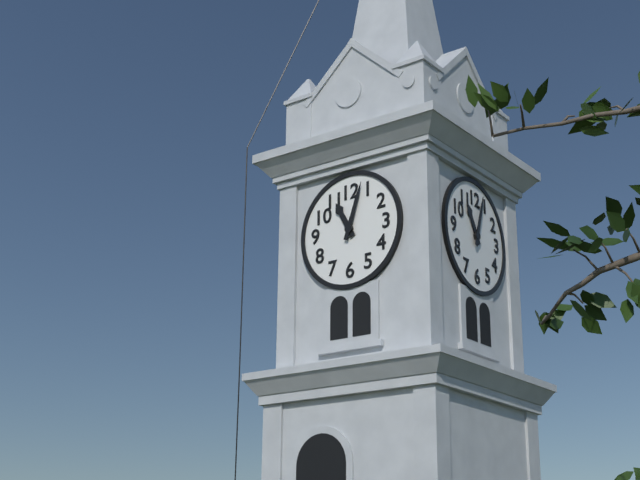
11.03
